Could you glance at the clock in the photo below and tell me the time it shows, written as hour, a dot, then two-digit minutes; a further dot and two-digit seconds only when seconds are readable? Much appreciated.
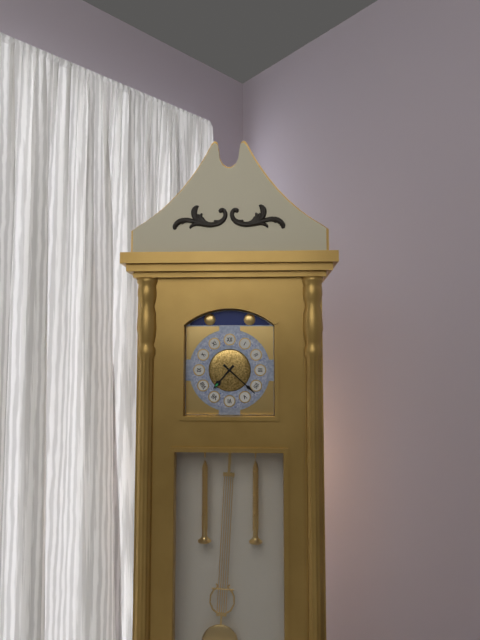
7.22
